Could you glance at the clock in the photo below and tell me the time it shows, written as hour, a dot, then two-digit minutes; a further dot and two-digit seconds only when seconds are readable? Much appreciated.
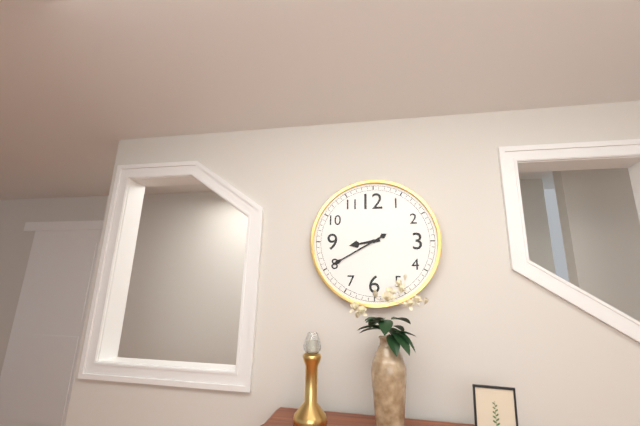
8.40
